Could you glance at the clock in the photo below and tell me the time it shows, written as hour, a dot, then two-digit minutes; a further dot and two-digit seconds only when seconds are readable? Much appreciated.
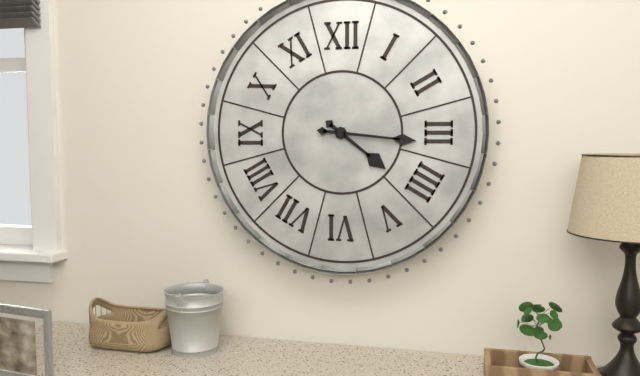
4.16
